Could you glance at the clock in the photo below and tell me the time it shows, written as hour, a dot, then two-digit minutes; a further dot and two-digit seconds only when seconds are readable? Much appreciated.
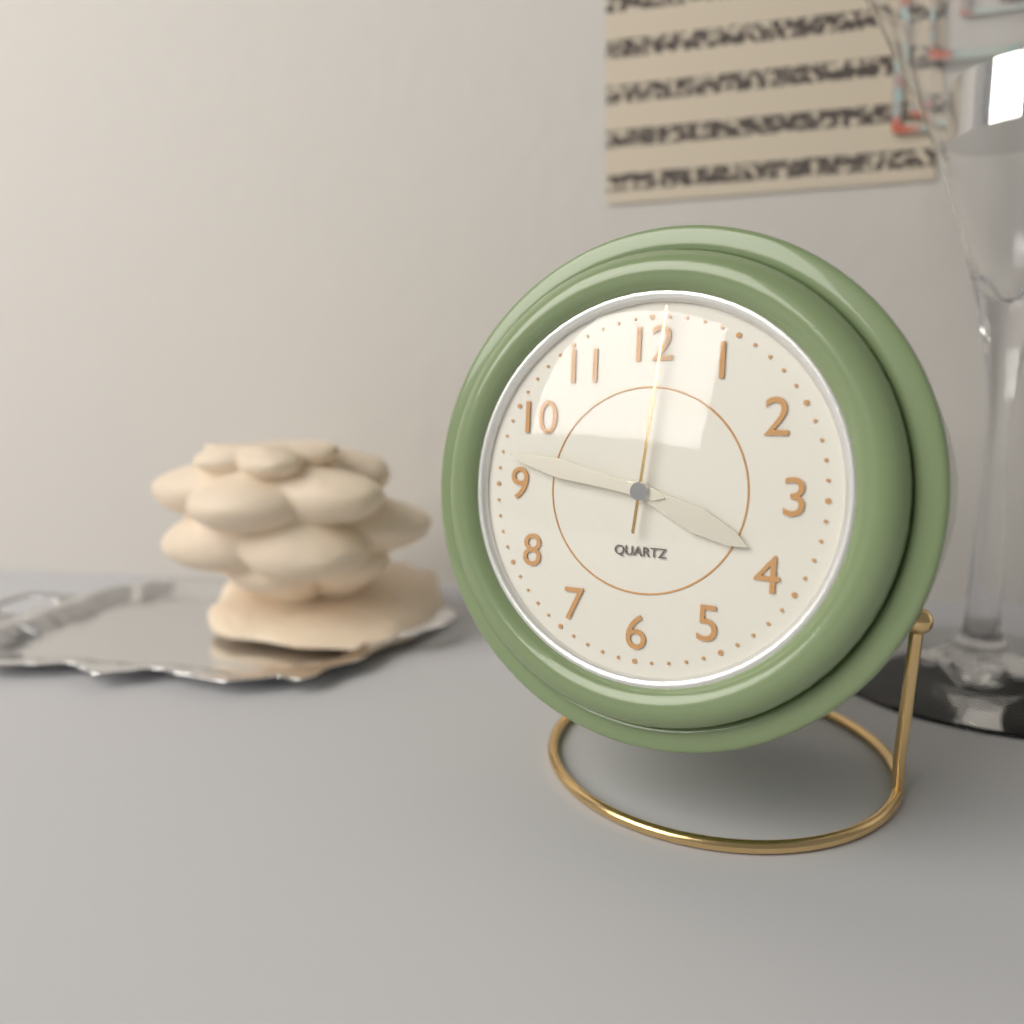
3.47.01
